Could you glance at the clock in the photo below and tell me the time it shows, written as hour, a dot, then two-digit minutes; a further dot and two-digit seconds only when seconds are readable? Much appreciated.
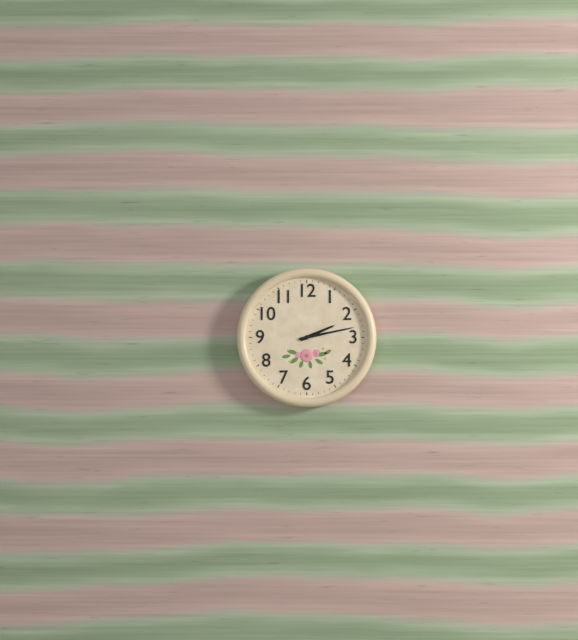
2.13
